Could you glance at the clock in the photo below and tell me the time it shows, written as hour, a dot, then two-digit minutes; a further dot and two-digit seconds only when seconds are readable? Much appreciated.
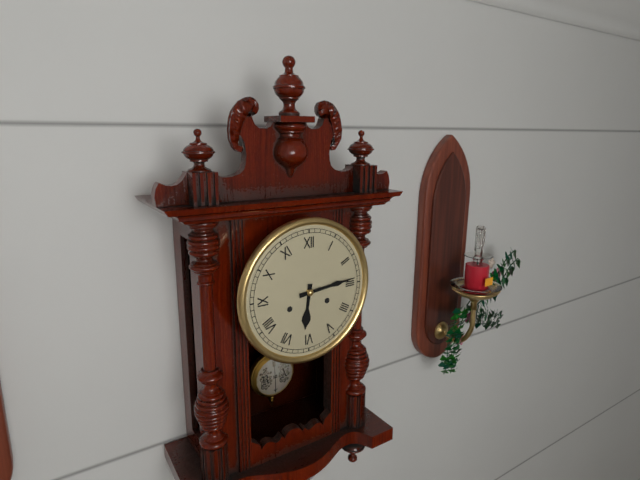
6.14
